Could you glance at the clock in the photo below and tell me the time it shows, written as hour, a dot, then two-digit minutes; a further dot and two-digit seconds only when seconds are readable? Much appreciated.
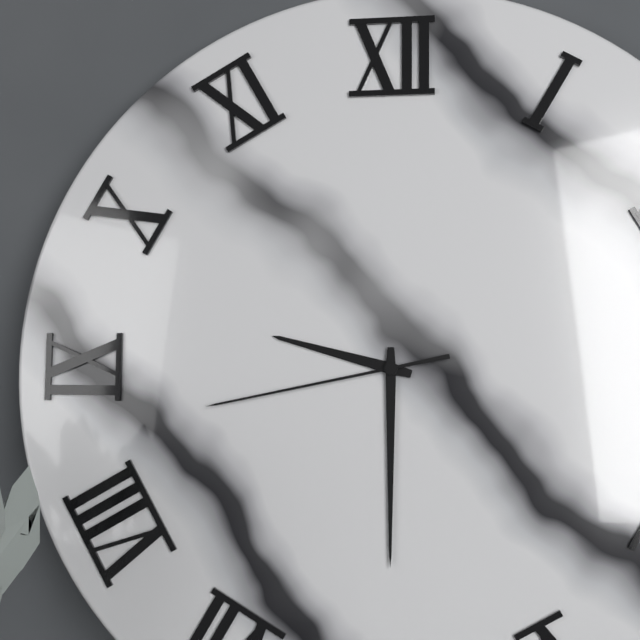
9.30.43
